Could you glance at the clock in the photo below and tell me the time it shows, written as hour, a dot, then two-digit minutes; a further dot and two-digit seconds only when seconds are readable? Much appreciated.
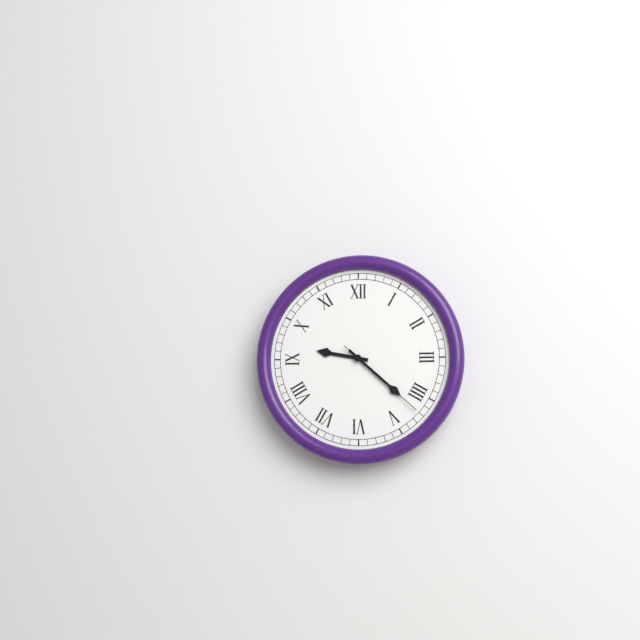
9.22.22
